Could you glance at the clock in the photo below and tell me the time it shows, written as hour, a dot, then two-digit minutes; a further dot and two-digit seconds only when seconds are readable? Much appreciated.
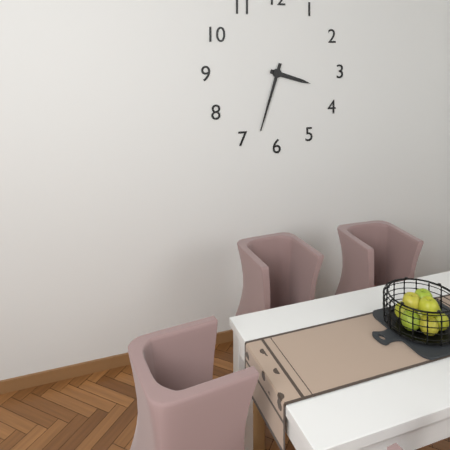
3.33
